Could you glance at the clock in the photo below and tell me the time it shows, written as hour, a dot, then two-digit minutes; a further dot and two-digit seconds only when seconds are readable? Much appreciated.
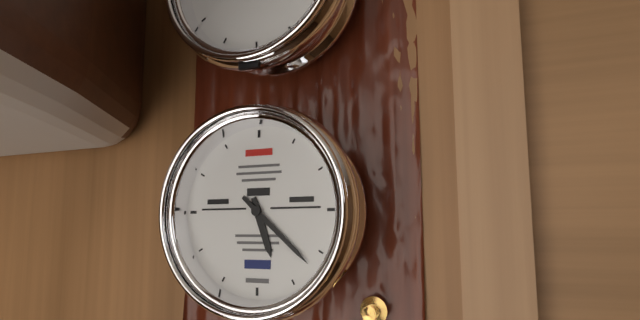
5.22
